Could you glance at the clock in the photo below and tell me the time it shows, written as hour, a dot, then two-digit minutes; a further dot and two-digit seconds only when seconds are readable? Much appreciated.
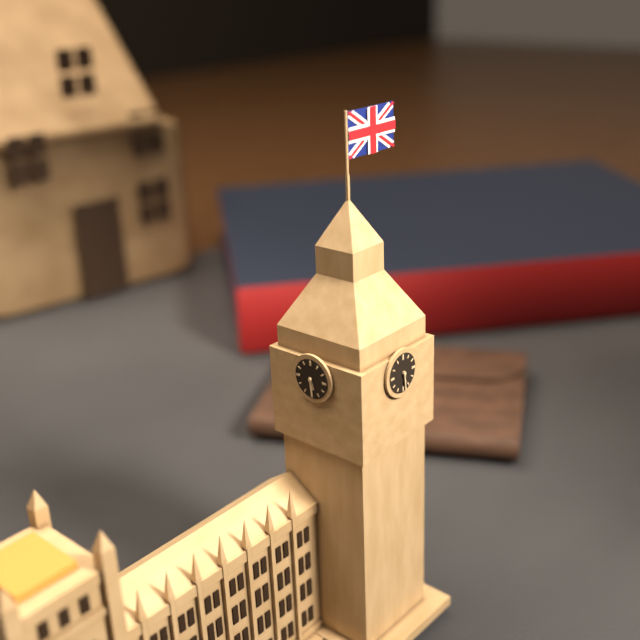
5.29
